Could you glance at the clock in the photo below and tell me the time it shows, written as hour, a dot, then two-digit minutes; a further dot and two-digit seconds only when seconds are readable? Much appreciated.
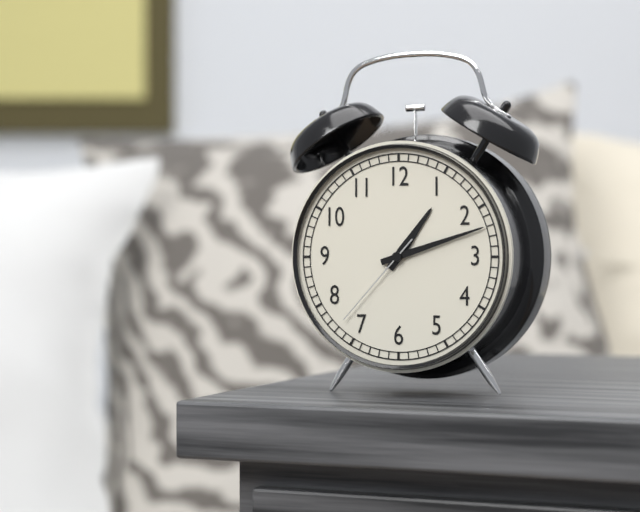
1.12.37
